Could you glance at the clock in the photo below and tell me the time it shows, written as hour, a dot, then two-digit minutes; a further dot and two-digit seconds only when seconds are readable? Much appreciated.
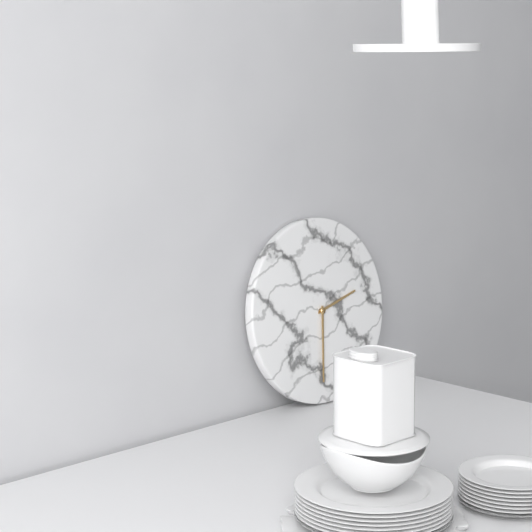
2.31
